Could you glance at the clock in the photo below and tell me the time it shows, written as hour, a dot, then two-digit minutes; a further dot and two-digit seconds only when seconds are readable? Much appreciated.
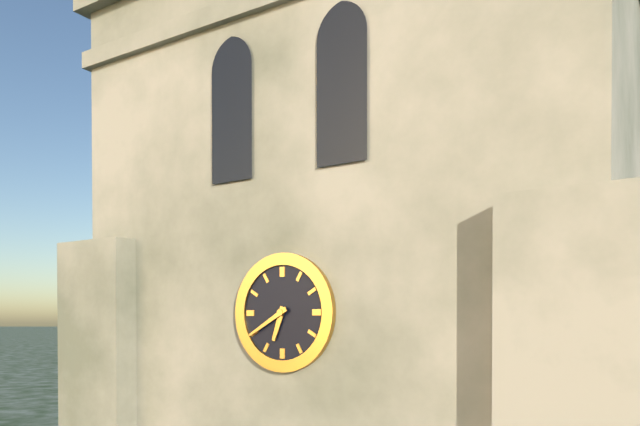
6.40
